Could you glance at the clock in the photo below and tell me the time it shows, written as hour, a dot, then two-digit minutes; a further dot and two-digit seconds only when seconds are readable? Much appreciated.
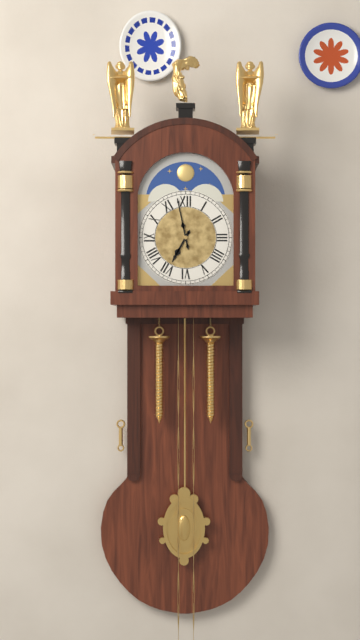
6.58
